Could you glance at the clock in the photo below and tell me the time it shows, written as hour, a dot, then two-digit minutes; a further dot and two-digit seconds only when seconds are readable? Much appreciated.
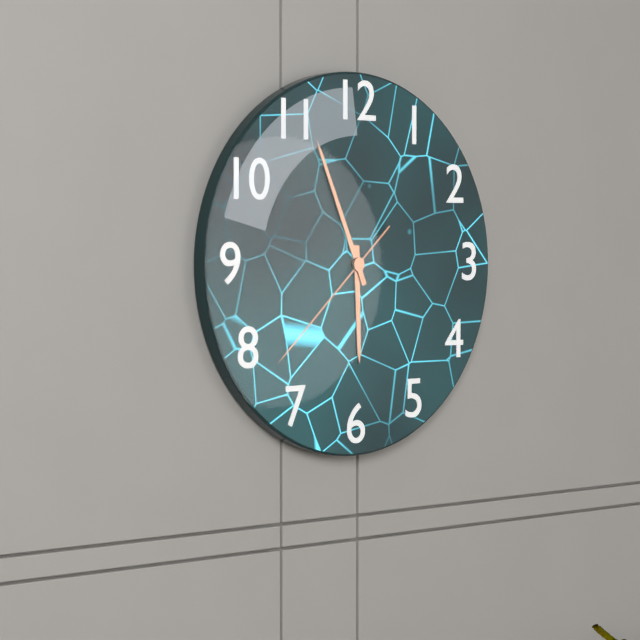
5.56.38
